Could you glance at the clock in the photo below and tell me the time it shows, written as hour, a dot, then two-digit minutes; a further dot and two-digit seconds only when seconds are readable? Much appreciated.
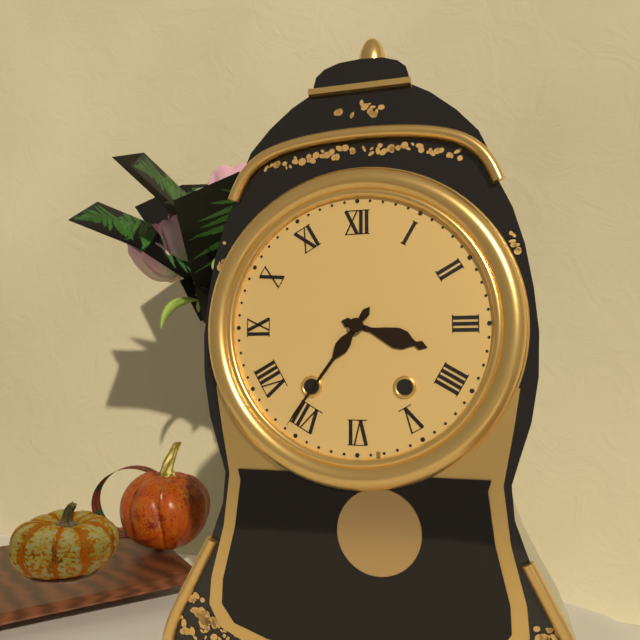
3.36
